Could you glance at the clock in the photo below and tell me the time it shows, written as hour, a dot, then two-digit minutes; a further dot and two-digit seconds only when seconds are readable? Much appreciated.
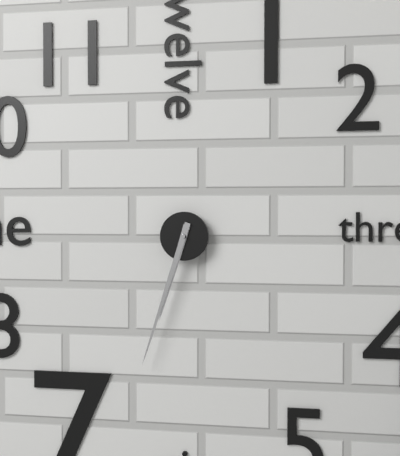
6.33
